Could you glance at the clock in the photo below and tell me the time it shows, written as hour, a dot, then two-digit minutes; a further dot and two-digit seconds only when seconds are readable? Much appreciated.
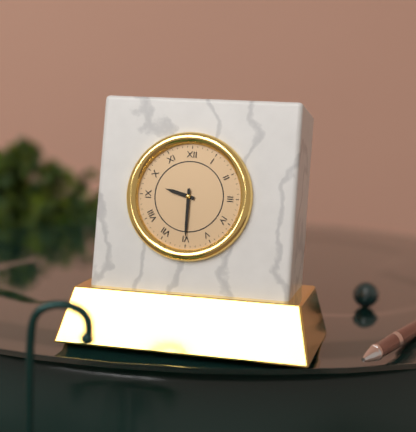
9.30
